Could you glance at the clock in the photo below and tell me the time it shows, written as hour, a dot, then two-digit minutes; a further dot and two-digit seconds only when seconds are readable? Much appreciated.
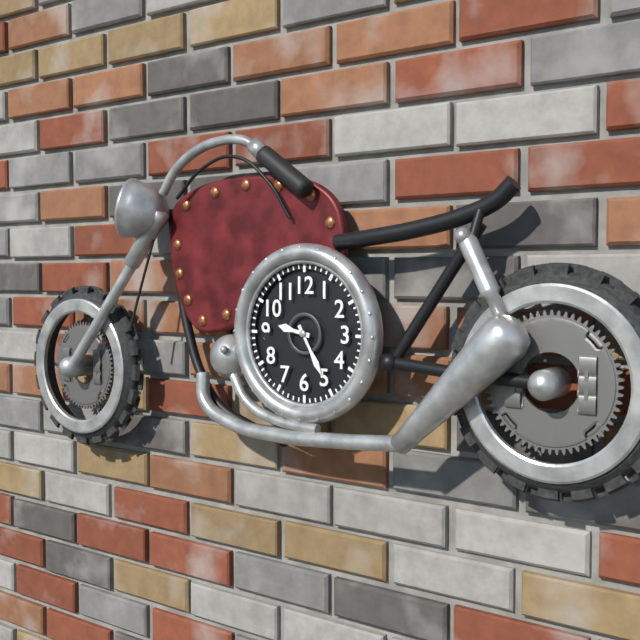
9.25
